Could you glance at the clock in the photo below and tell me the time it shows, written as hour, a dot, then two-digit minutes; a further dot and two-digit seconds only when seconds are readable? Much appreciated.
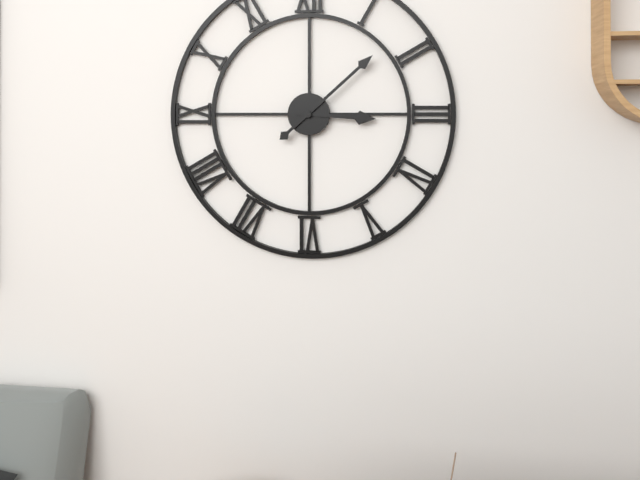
3.08
